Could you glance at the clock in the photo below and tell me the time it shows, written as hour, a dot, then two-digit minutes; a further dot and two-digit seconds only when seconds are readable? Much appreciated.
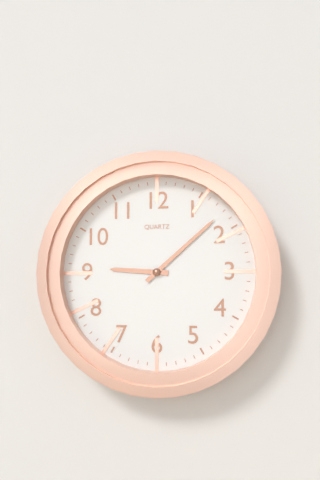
9.08
